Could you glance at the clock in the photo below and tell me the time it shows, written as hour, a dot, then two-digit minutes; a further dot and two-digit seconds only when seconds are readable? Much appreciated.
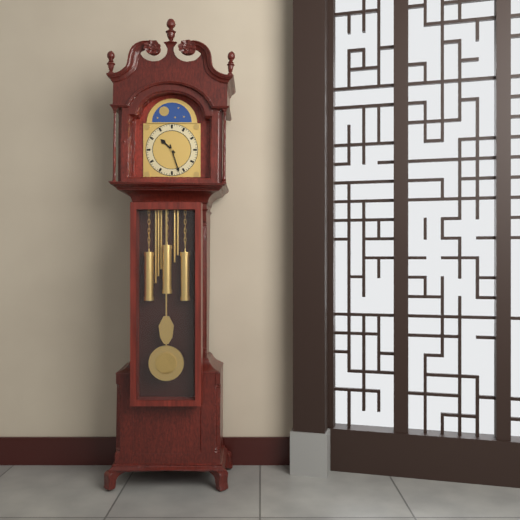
10.27
